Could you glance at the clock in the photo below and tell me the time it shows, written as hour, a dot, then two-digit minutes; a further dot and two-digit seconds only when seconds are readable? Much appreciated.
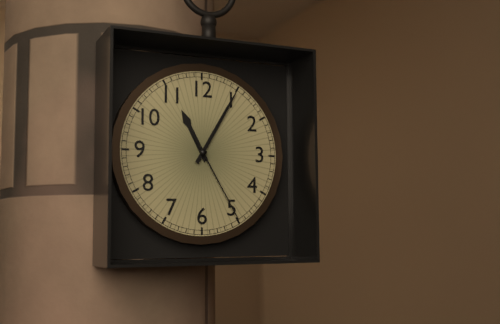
11.05.25
